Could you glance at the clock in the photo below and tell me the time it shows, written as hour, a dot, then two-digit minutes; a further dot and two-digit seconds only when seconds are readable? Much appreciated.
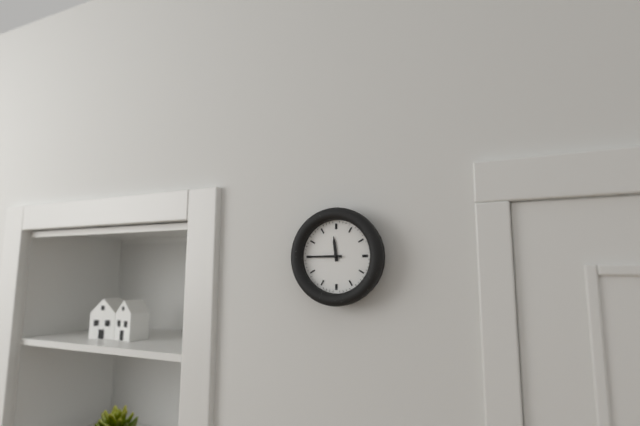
11.45
